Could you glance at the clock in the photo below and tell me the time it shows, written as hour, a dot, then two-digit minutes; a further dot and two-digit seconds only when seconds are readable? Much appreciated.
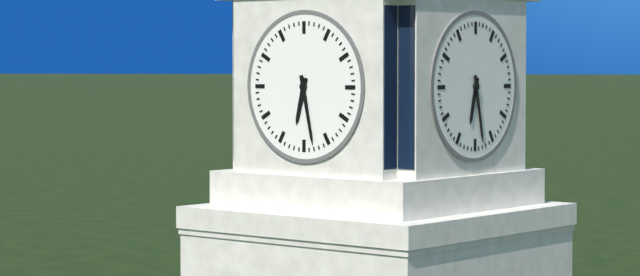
6.28
